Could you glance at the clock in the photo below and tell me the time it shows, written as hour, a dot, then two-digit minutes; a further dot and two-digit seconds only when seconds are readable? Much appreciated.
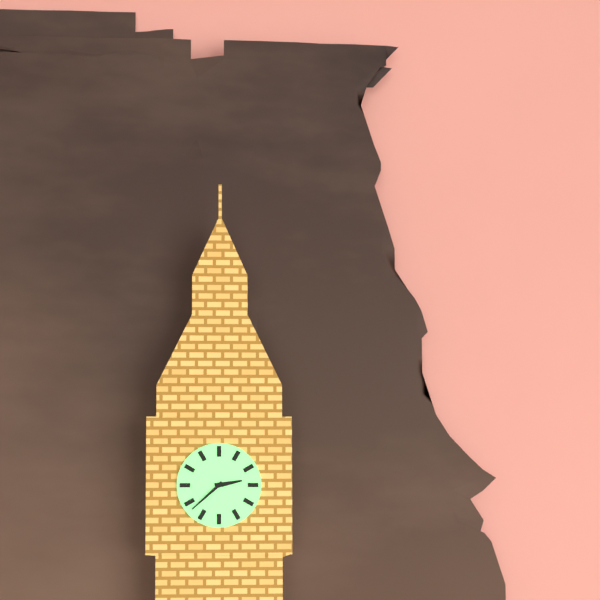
2.38
